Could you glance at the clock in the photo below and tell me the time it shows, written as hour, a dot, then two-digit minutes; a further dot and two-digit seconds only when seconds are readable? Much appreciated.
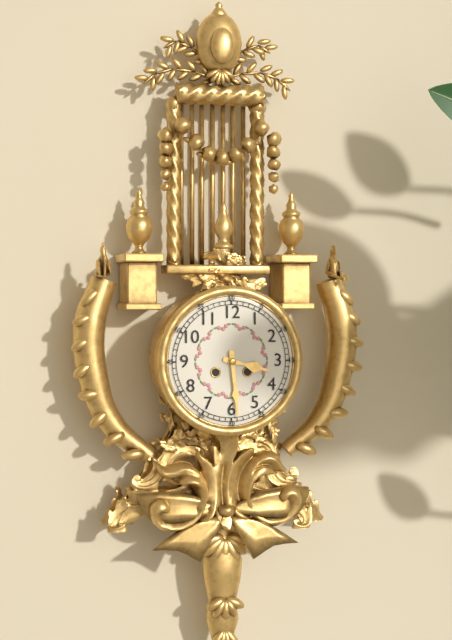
3.29
